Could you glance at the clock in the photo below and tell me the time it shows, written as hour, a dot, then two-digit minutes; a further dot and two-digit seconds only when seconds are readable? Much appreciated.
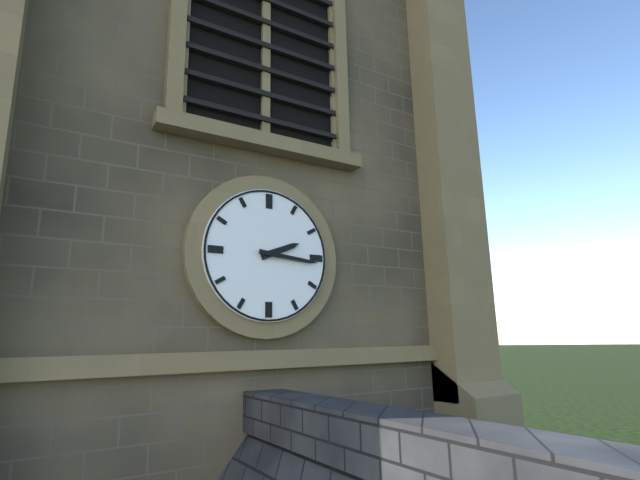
2.16
